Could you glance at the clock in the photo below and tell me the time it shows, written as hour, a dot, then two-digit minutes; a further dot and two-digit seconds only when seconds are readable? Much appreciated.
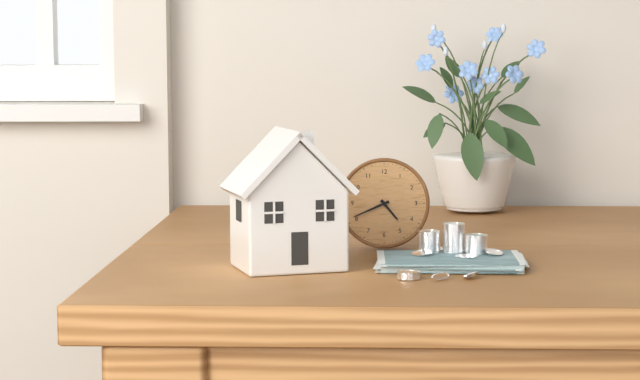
4.41
